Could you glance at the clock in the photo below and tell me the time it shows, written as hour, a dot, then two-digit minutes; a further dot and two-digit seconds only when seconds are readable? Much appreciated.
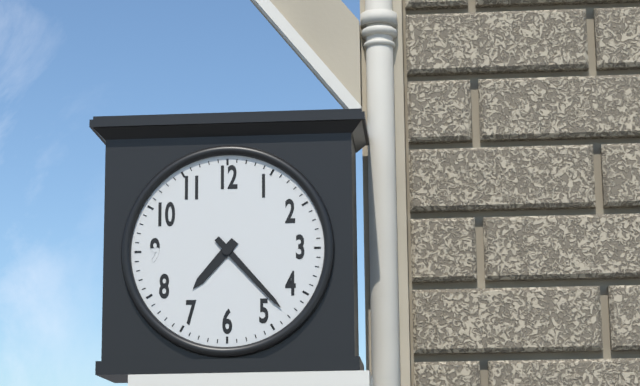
7.23
